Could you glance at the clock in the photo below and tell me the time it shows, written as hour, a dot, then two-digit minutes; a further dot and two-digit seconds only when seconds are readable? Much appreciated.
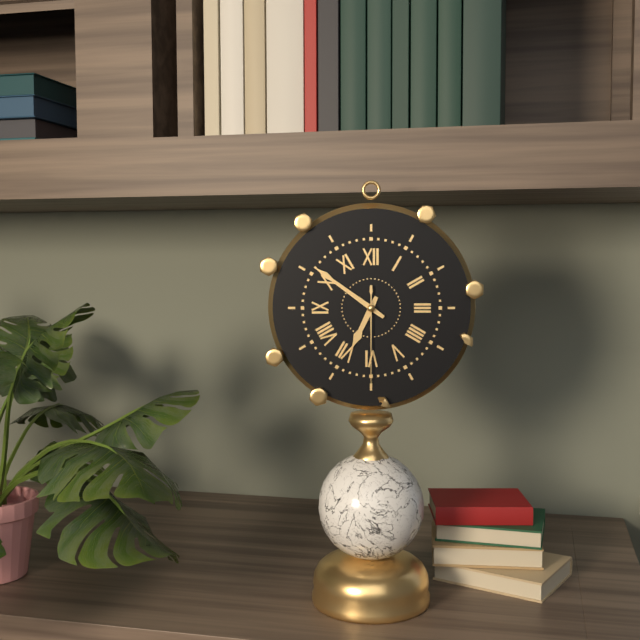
6.51.30
